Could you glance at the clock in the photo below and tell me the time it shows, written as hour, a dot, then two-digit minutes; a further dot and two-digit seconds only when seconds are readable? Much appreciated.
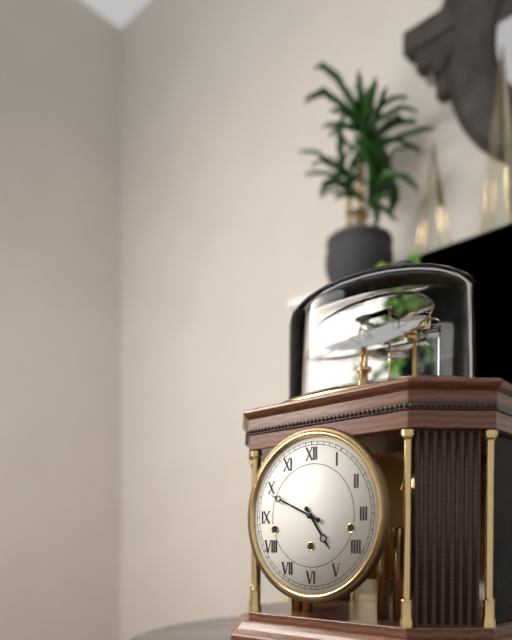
4.49
